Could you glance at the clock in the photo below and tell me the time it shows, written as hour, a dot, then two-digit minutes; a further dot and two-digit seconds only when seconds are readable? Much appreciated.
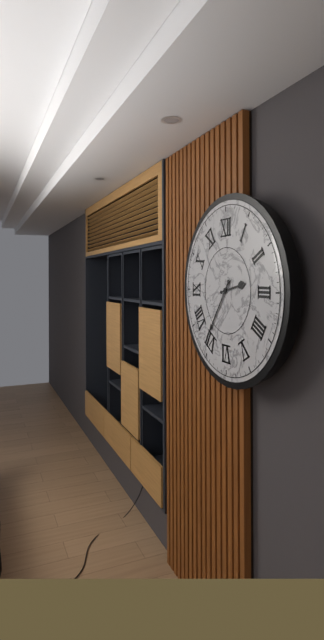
2.36
